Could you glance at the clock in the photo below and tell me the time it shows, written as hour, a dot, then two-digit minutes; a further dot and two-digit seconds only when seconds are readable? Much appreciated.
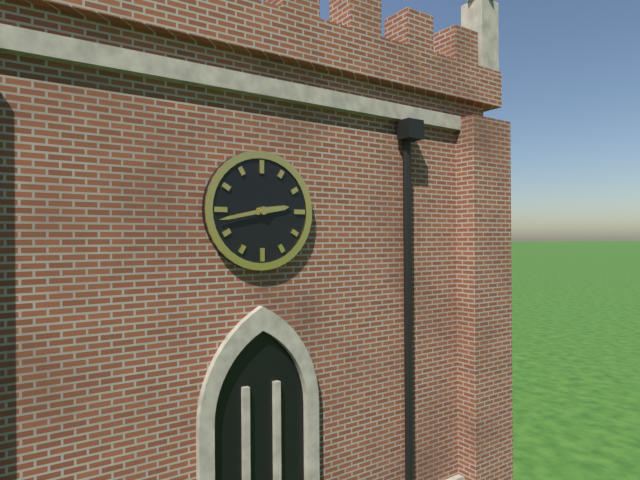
2.43
